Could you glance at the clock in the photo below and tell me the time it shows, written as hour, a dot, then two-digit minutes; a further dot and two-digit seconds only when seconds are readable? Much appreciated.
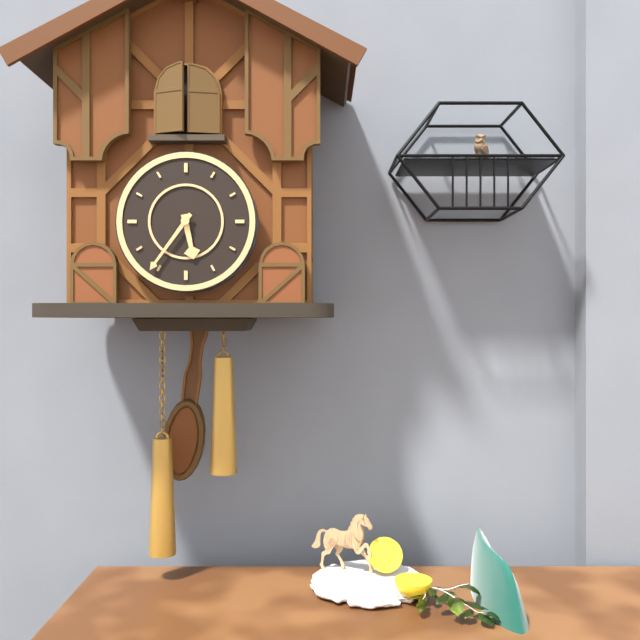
5.36
